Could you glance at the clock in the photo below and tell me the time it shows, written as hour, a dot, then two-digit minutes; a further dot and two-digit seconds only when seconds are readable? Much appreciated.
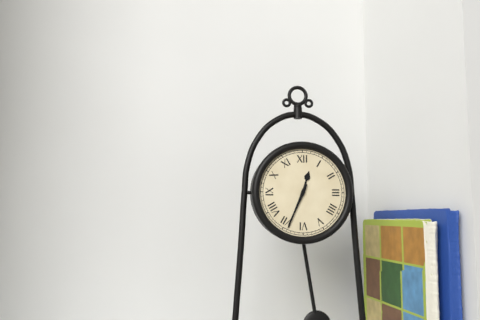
12.34
